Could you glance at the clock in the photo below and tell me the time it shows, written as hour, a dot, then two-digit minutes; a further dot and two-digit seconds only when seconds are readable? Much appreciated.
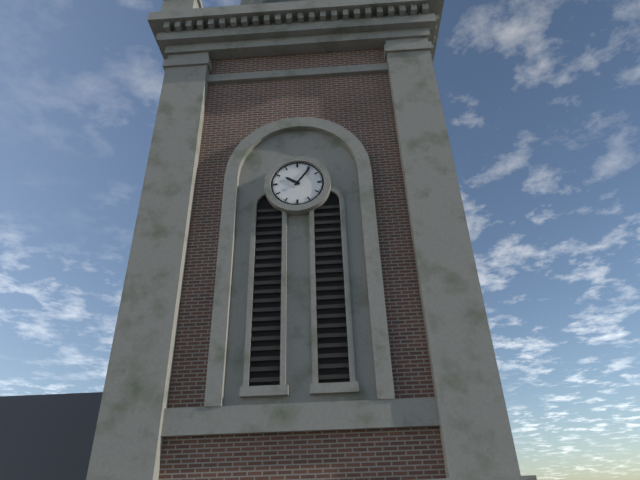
10.06
